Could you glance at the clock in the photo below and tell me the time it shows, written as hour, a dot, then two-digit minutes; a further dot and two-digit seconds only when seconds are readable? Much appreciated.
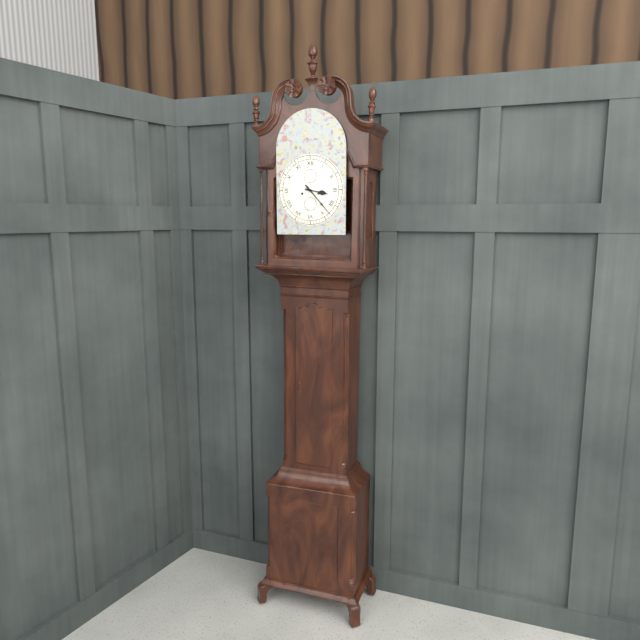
3.23
